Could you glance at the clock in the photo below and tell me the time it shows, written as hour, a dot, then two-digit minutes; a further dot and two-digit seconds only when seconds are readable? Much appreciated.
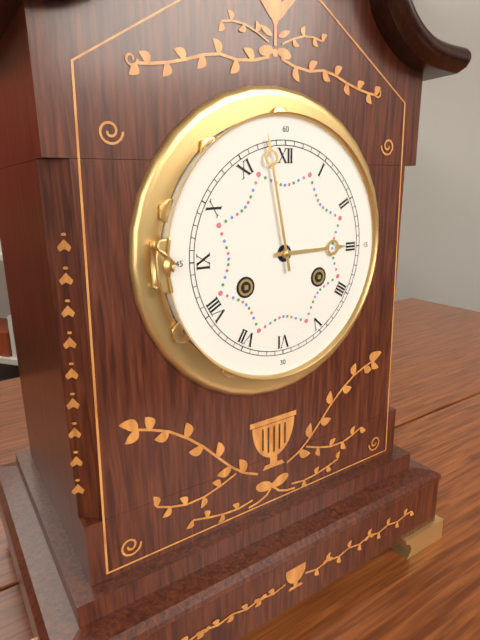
2.58
